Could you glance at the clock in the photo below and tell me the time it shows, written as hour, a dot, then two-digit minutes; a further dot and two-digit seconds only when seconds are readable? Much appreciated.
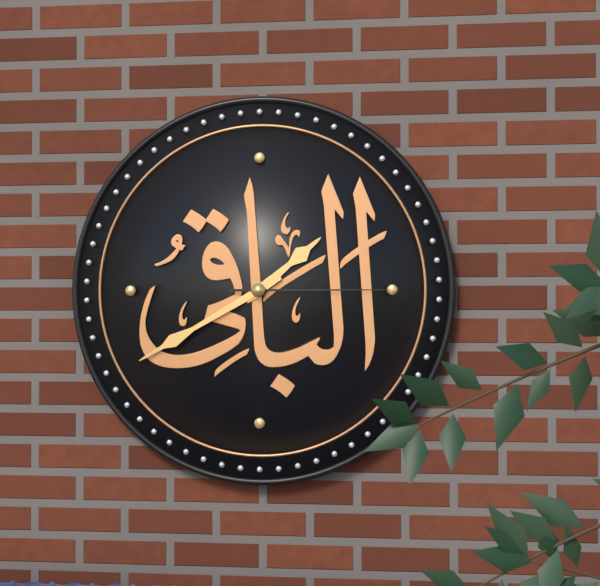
1.40.15
